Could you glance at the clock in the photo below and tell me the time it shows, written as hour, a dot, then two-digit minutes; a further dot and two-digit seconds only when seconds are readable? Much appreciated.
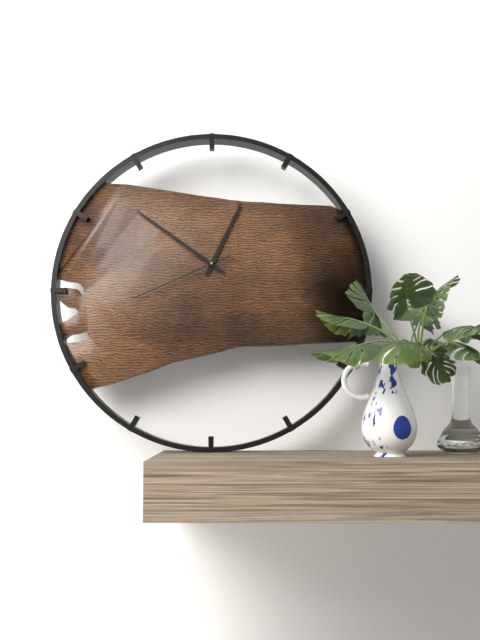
12.51.41
